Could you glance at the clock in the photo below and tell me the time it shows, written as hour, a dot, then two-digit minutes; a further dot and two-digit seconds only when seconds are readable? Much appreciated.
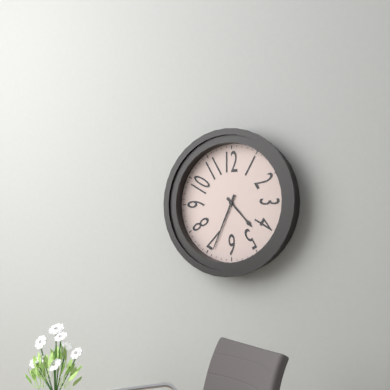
4.34
